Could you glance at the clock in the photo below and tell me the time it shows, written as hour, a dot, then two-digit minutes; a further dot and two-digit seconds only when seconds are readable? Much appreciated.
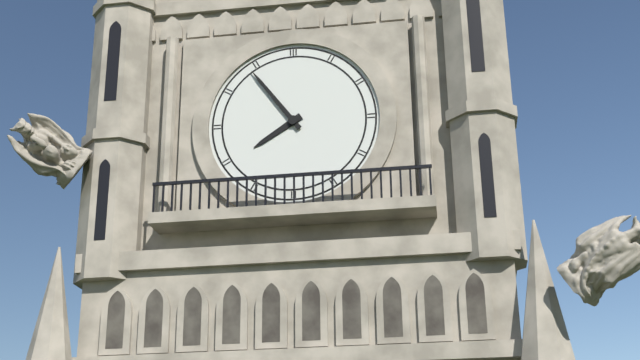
7.54
